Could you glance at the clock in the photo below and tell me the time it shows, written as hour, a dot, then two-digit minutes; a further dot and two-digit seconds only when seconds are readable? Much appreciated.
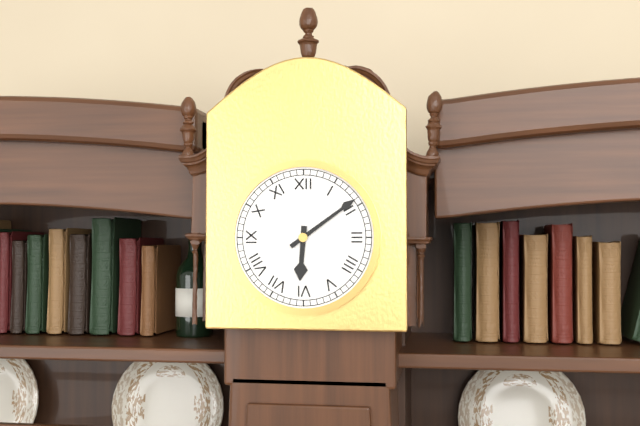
6.09
